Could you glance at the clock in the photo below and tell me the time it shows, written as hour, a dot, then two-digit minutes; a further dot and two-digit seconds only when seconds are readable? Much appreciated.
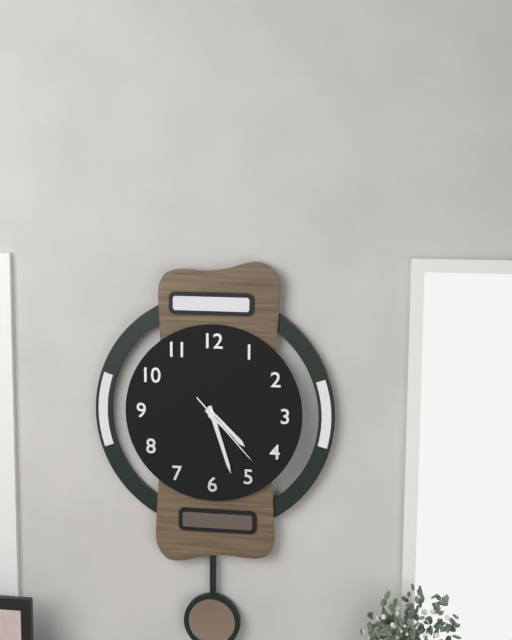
4.27.23
